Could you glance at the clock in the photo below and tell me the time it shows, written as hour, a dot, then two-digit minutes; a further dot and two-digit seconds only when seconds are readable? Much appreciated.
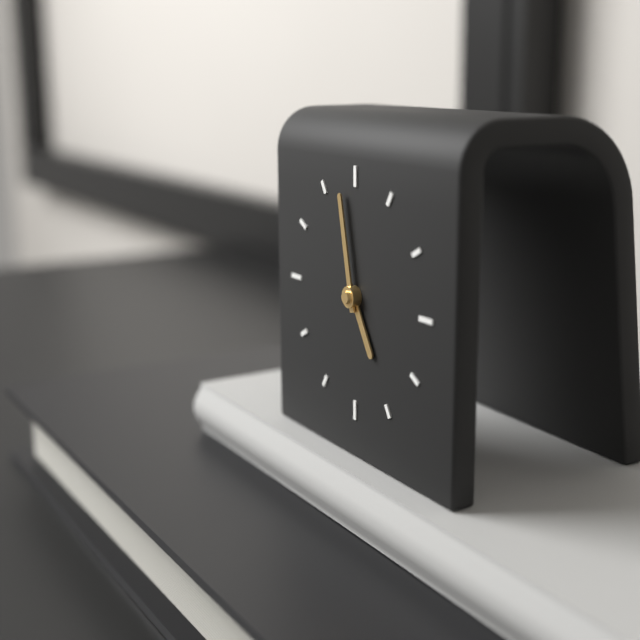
4.58
